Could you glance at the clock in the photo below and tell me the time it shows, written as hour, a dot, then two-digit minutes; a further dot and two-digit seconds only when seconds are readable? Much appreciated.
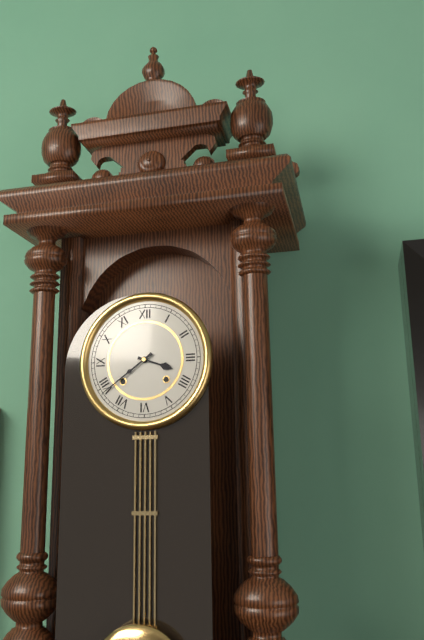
3.39
